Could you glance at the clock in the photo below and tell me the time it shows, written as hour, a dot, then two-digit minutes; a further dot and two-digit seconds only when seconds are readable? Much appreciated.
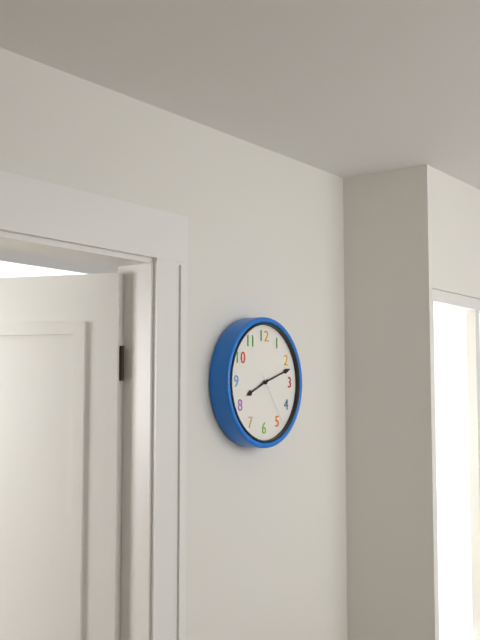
8.12.24
